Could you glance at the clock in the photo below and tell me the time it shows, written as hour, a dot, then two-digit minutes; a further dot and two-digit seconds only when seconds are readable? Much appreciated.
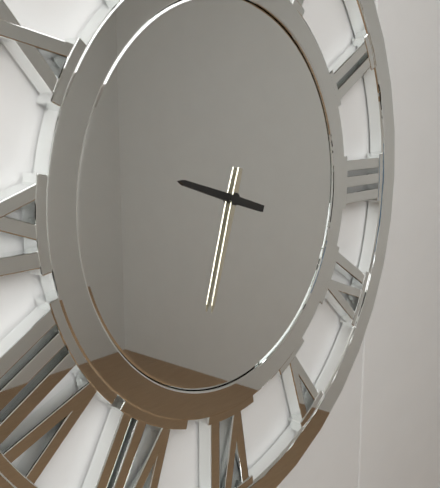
9.33
